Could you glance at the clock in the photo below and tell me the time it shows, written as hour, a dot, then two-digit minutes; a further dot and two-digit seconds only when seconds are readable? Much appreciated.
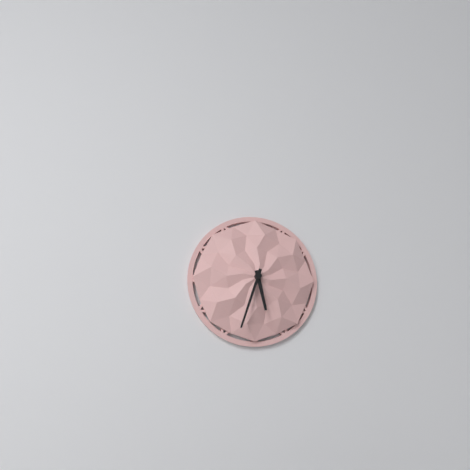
5.33
